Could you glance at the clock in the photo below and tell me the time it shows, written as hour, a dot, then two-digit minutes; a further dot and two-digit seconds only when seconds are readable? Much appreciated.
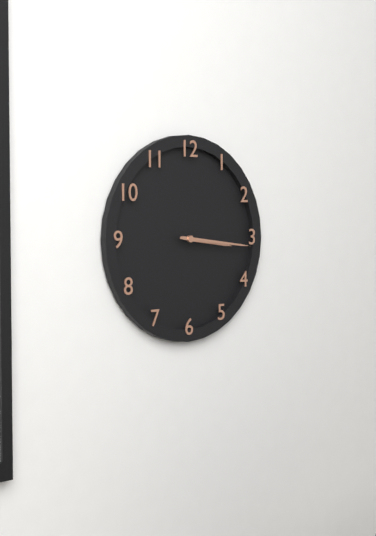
3.16
